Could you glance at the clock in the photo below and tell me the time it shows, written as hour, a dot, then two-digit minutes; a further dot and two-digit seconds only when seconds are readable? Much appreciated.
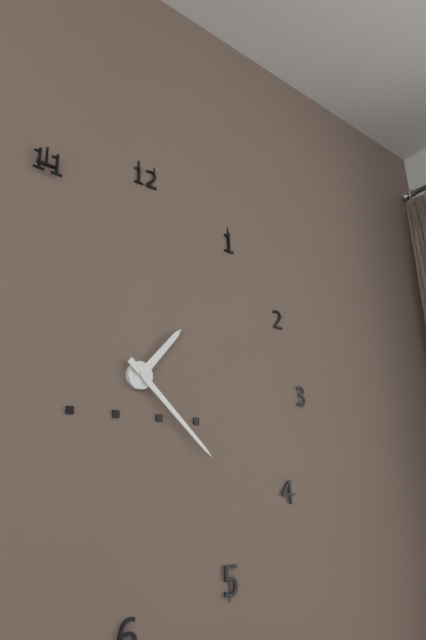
1.22
